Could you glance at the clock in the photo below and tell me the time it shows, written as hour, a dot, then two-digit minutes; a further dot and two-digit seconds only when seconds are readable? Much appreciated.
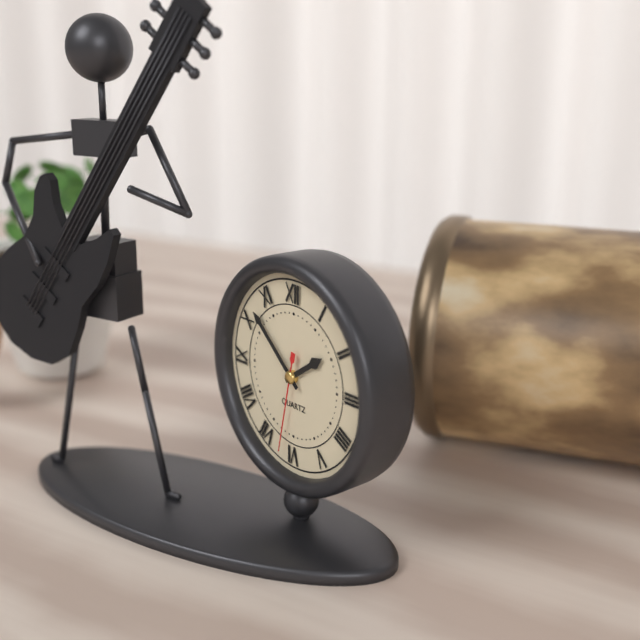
1.52.32
